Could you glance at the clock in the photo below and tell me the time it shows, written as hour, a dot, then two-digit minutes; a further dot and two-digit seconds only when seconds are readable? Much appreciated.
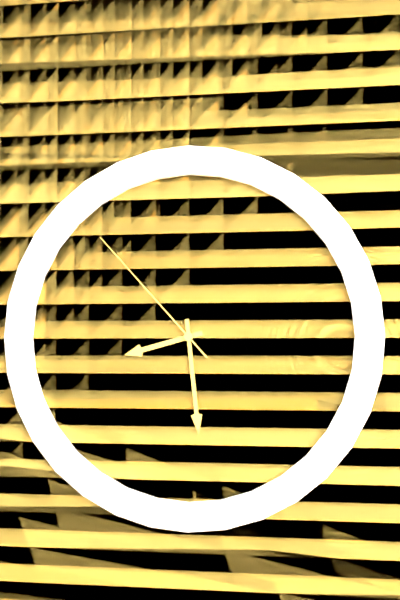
8.29.53
